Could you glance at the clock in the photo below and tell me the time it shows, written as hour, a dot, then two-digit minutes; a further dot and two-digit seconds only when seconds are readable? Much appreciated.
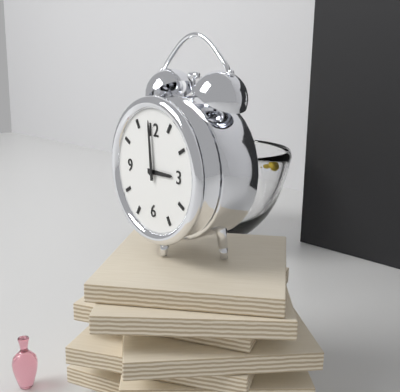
2.59
